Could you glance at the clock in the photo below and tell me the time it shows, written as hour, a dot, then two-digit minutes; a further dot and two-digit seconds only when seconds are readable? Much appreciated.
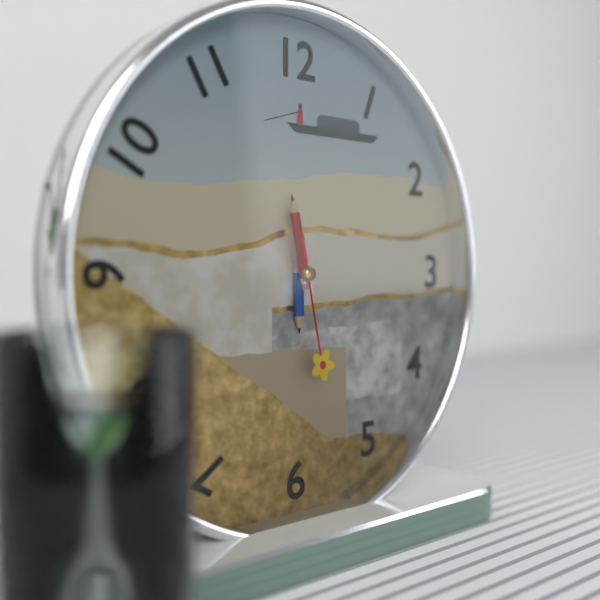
5.58.28
